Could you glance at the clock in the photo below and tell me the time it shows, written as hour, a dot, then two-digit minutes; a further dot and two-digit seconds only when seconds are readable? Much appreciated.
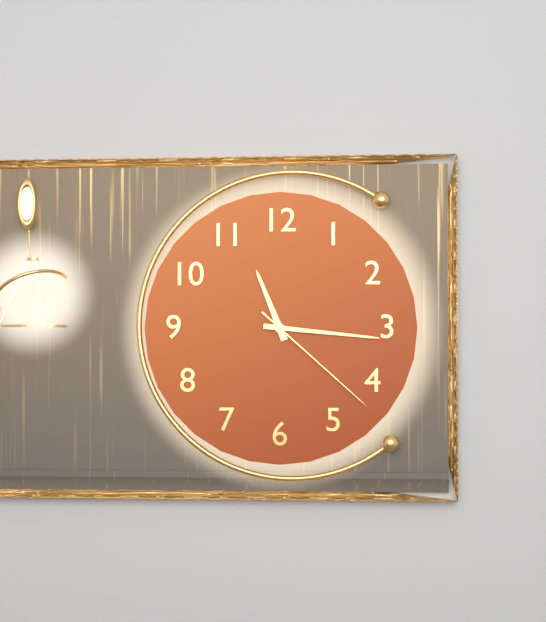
11.16.22
